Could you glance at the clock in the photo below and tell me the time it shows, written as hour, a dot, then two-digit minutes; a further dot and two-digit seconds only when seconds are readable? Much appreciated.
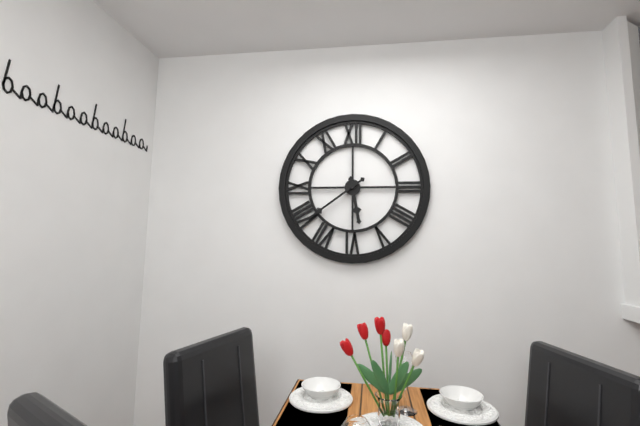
5.39
